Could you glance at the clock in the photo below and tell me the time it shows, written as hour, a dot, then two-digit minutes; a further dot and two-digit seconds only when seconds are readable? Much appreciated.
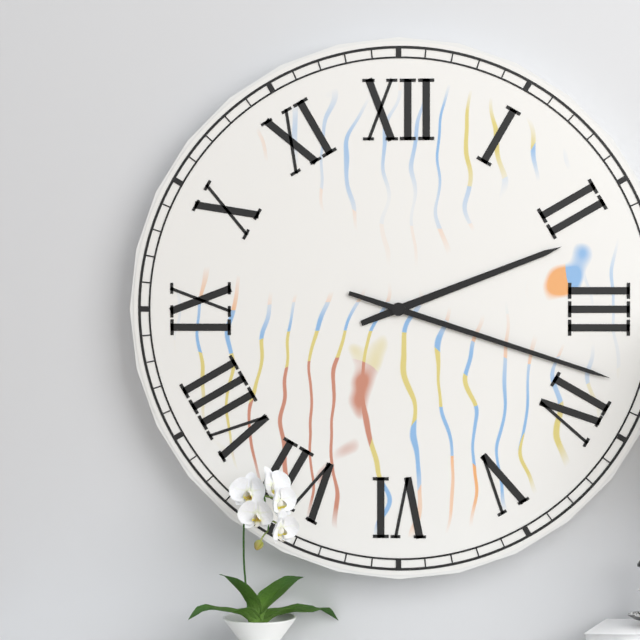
2.18
